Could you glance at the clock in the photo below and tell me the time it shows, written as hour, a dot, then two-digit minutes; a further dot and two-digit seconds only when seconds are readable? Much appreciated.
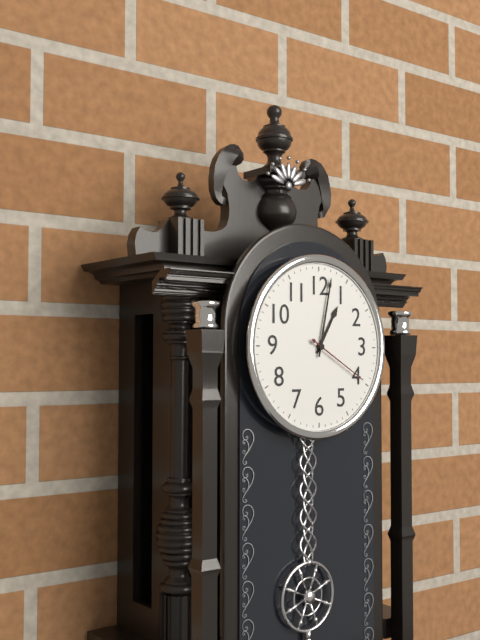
1.02.20
